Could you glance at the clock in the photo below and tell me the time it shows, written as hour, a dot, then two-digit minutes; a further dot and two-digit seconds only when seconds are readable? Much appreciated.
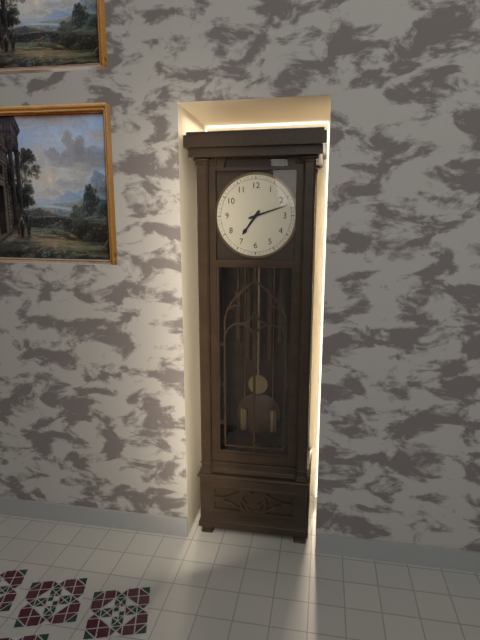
7.12
